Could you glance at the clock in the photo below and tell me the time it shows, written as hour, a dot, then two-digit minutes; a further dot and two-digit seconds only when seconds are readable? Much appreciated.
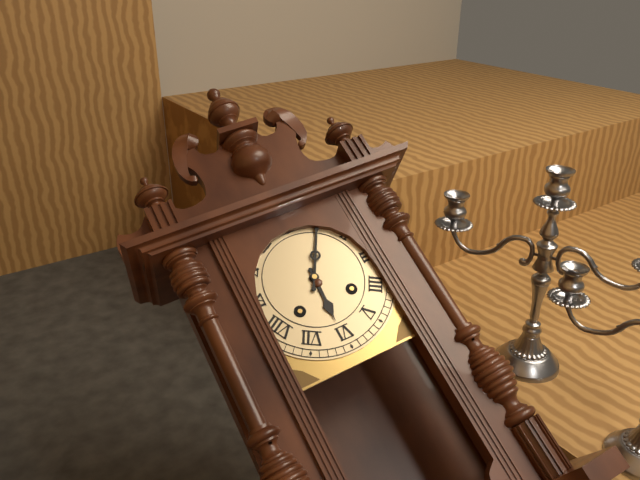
6.05
